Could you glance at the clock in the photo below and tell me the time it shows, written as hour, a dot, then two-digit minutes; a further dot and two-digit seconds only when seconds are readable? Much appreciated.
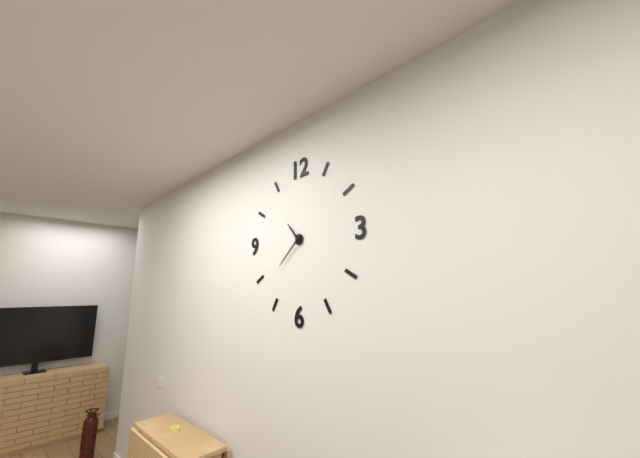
10.38
